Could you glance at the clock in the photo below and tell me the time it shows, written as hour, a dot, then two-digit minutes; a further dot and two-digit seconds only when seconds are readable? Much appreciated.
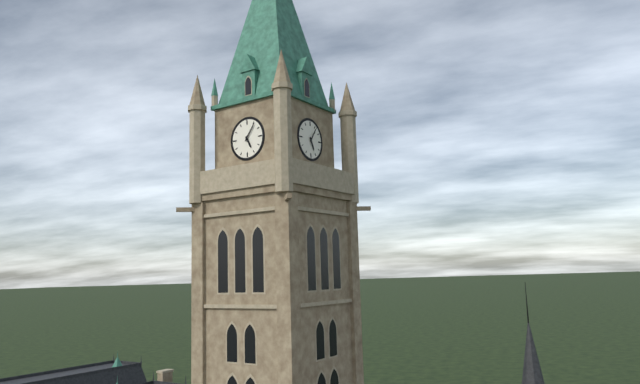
5.06
